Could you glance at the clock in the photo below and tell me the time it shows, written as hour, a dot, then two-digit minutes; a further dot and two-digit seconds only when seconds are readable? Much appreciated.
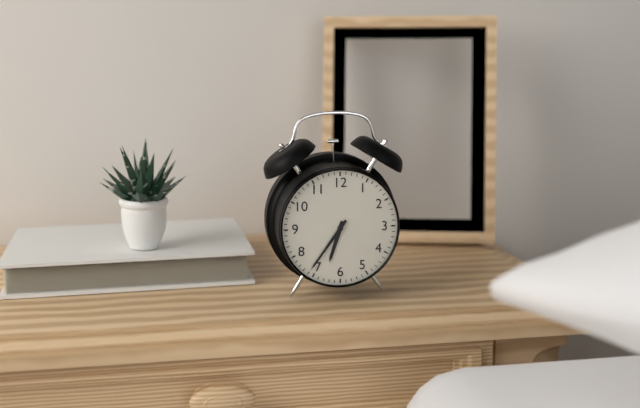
6.36
